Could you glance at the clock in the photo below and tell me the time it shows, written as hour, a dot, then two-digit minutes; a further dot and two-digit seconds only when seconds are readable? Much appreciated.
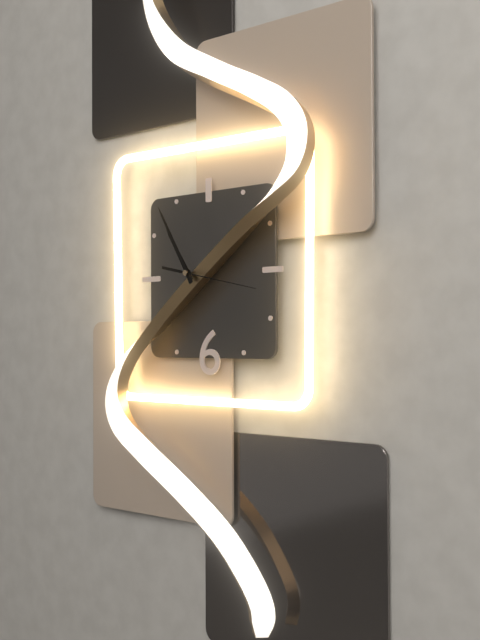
10.55.17
